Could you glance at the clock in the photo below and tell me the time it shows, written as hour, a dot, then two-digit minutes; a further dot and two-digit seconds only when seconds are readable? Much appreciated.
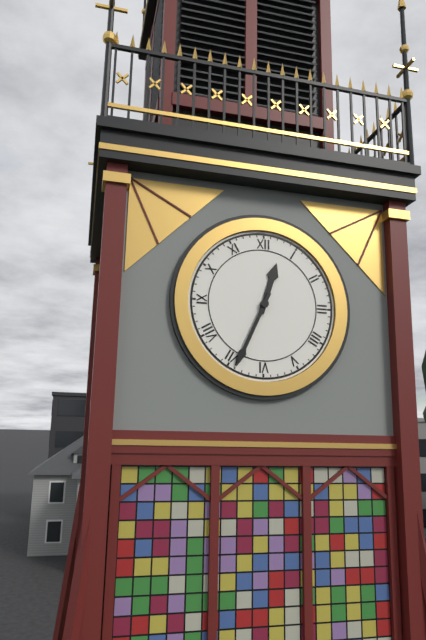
12.34
